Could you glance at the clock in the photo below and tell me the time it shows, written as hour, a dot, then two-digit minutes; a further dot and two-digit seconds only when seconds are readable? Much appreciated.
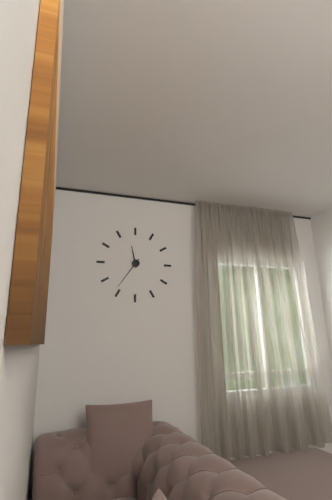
11.36
